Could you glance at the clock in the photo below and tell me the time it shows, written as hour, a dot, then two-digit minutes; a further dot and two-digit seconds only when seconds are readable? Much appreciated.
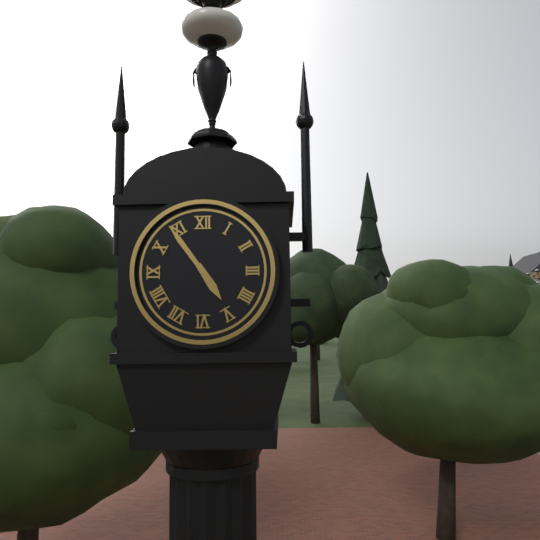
4.54
